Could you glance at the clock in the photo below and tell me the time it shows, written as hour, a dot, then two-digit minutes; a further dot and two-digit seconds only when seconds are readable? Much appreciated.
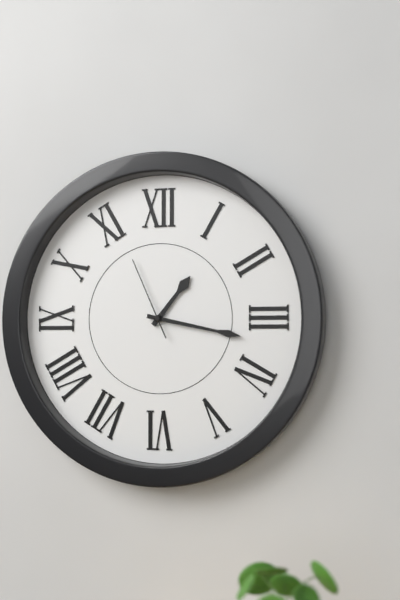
1.17.56
